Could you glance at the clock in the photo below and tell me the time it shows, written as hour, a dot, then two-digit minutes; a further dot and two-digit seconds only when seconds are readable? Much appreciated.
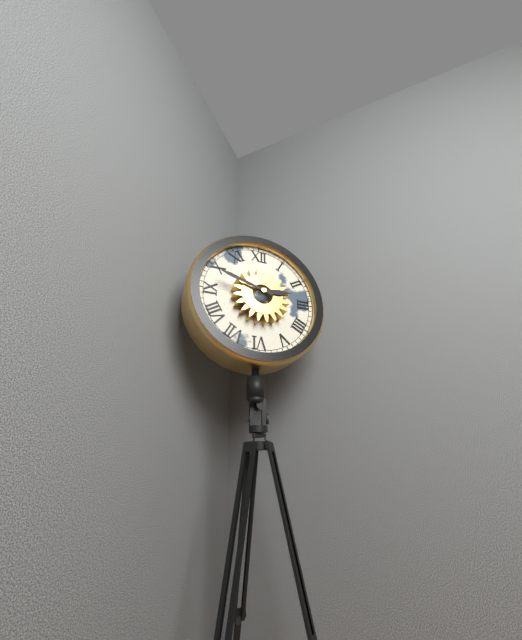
2.48
